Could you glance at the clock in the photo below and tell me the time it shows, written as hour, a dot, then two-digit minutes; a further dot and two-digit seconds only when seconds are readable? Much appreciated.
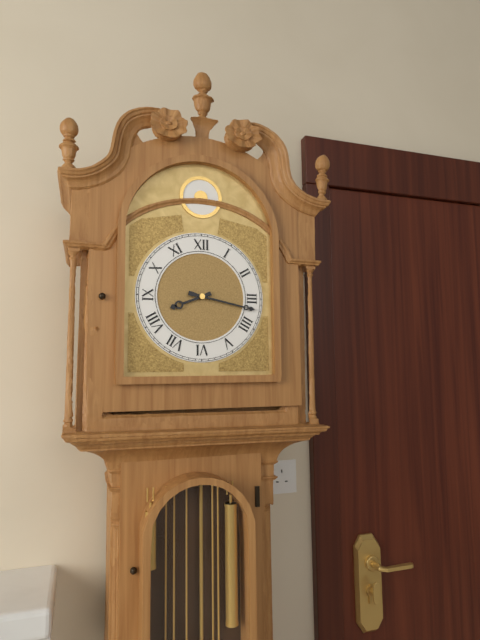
8.17
